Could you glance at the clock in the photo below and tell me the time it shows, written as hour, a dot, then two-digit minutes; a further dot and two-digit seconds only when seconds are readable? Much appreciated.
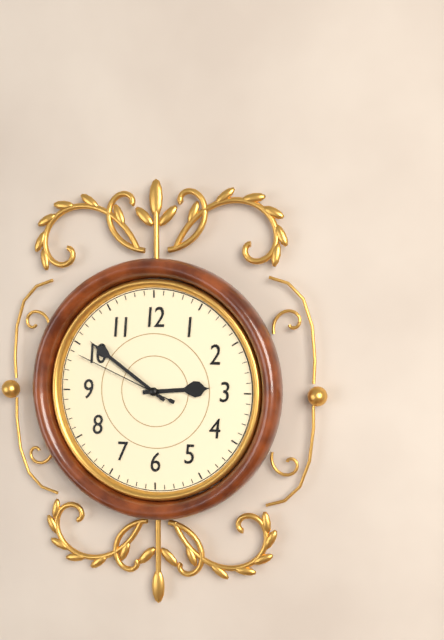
2.51.49
